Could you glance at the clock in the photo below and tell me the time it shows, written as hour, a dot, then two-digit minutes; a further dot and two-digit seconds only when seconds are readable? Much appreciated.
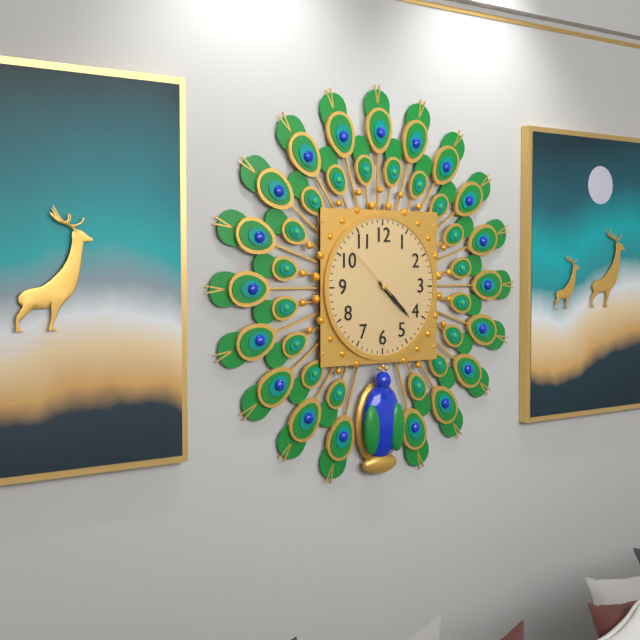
4.22.52
